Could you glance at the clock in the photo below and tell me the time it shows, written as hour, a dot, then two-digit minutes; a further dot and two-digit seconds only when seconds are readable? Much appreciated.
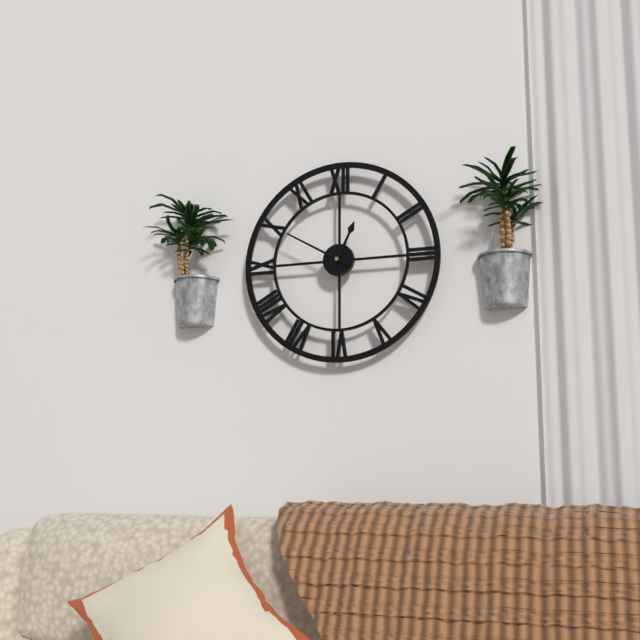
12.50
